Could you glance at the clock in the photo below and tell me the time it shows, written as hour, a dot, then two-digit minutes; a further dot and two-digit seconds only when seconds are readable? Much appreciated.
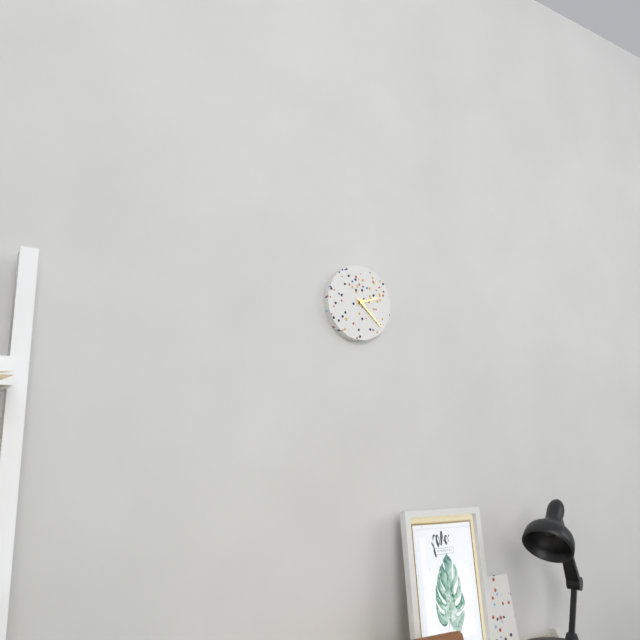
2.22
